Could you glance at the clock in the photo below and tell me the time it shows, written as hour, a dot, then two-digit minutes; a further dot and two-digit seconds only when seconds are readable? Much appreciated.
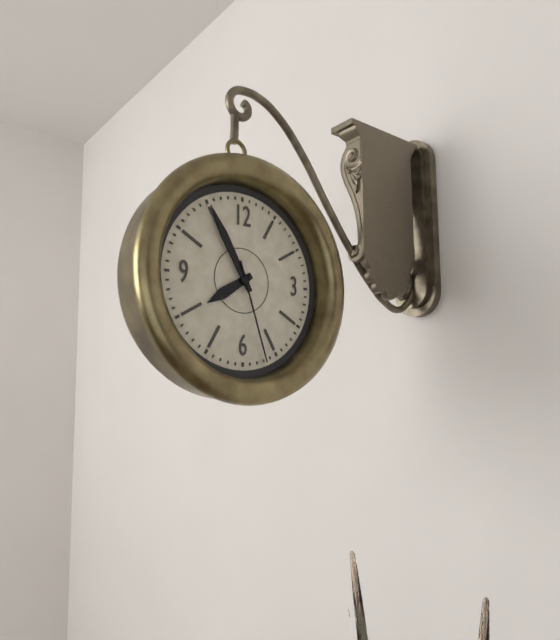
7.55.27
